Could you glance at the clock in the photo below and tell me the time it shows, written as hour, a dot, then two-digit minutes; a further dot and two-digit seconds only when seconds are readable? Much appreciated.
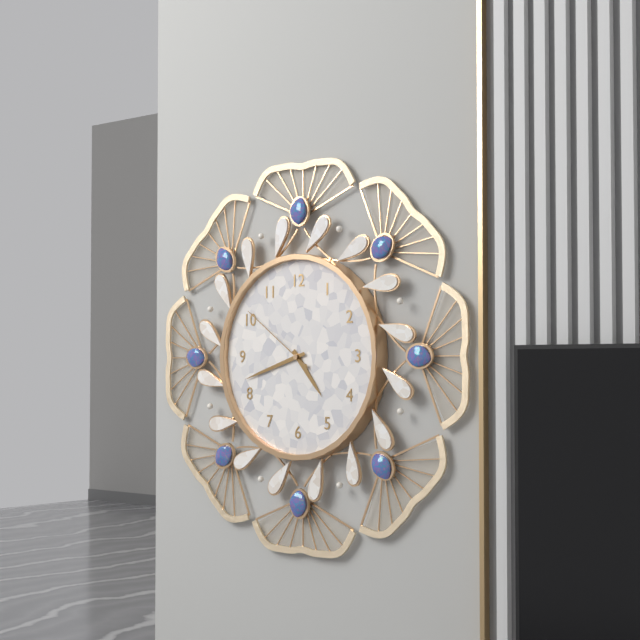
4.42.51
